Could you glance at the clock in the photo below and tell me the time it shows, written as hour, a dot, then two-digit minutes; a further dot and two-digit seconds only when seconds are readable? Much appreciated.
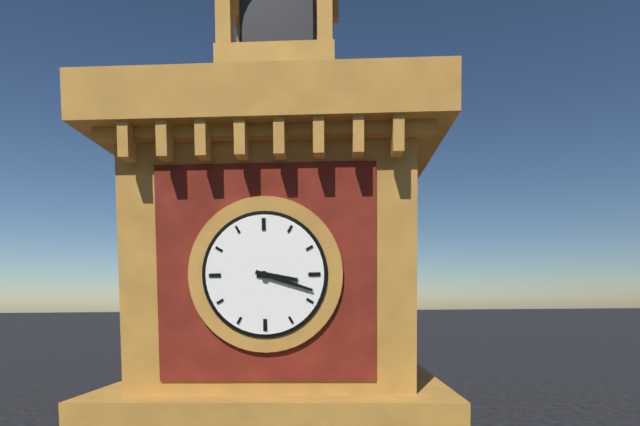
3.18
